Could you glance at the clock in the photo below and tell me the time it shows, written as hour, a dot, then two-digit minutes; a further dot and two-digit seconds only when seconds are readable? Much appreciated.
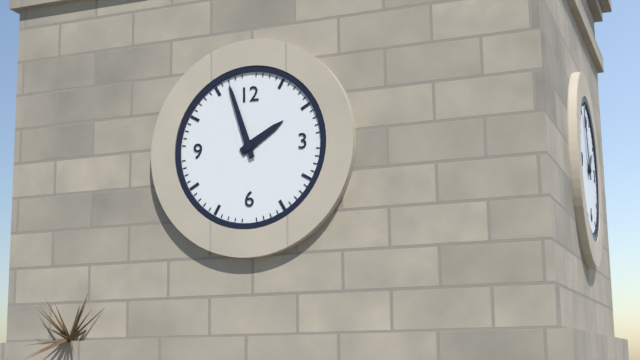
1.57
